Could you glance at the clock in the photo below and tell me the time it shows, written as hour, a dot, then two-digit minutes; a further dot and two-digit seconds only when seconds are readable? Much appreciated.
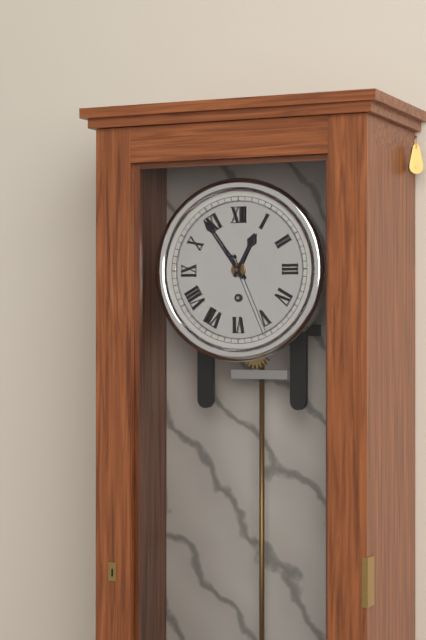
12.54.26
